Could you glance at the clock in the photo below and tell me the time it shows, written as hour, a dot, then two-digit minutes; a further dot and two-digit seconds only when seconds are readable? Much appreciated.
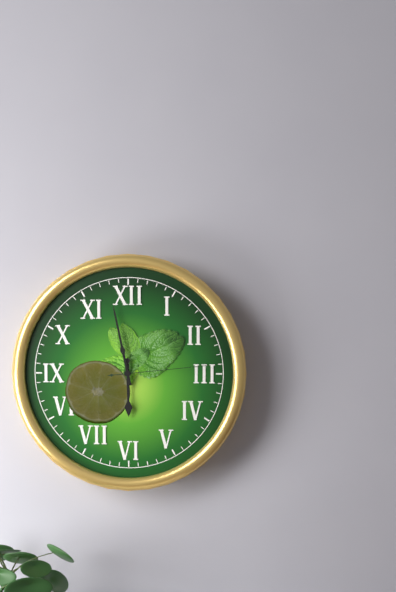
5.58.14
